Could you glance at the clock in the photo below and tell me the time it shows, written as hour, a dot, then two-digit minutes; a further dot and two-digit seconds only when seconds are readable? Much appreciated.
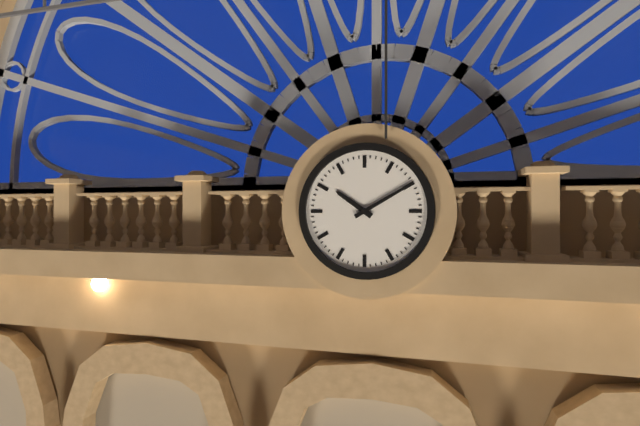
10.10
